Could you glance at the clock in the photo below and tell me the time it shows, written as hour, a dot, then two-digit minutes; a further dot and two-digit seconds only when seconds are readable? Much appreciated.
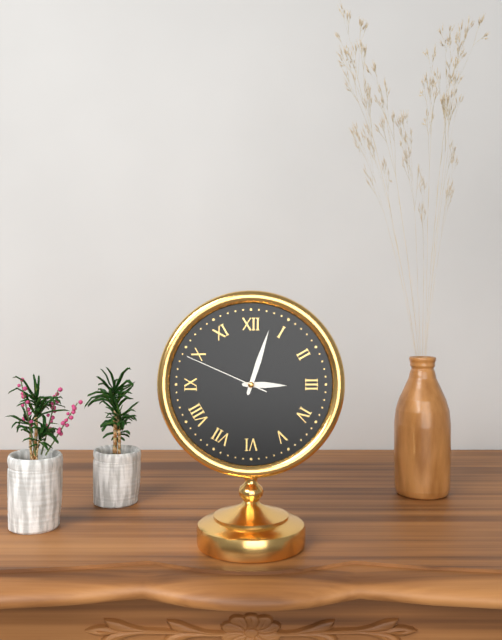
3.03.49
